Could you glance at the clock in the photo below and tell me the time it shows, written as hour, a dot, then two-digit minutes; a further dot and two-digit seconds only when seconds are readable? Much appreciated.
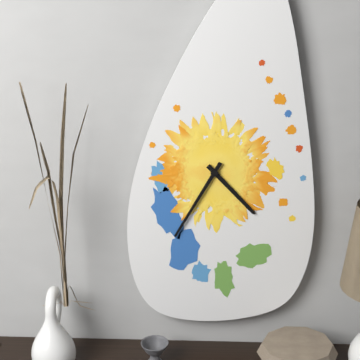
4.35
